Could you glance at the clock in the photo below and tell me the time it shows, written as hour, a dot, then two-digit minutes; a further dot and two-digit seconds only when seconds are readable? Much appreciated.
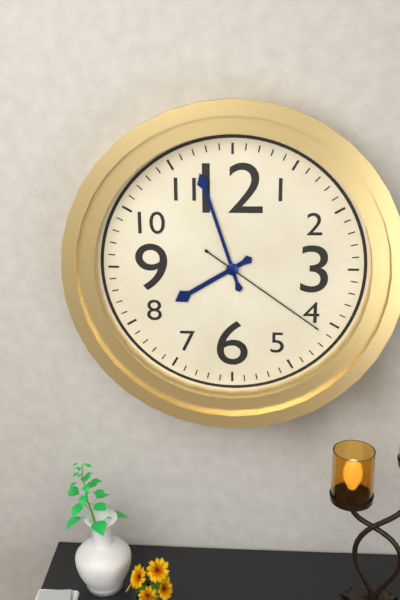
7.57.21
